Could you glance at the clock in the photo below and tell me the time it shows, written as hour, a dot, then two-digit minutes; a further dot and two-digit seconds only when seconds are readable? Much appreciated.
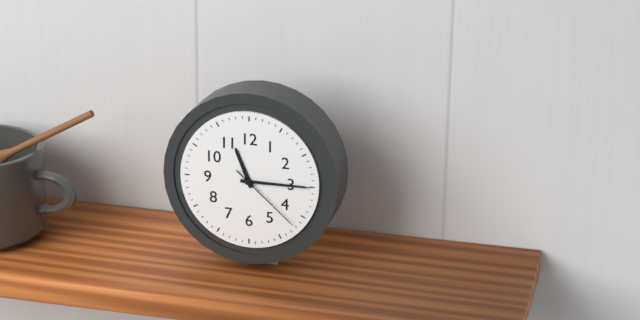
11.15.22
